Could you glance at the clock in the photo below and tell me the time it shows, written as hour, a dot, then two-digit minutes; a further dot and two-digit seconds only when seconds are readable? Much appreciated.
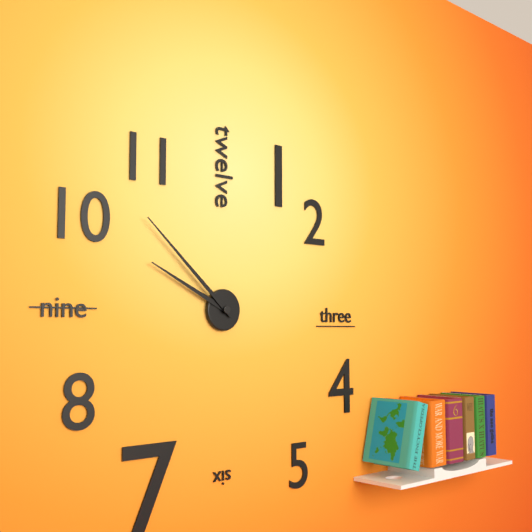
9.52
